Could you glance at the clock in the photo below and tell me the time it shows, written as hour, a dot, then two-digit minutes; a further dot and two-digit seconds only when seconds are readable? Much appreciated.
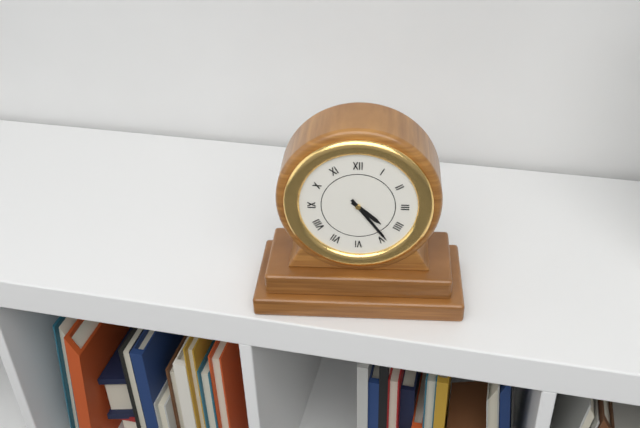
4.24
